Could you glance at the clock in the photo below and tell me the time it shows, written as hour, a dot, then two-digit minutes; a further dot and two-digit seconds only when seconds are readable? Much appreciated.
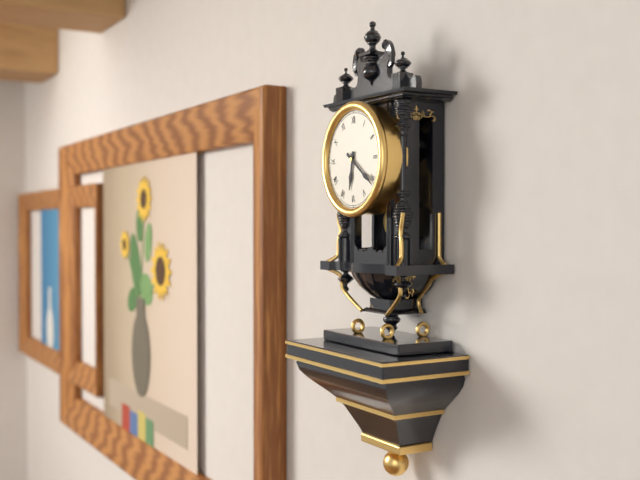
6.21
